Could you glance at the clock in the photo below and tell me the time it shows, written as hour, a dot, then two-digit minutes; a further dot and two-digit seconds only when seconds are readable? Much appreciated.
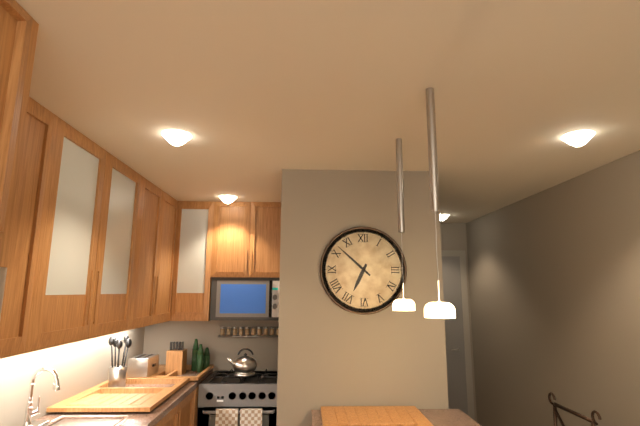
6.52
